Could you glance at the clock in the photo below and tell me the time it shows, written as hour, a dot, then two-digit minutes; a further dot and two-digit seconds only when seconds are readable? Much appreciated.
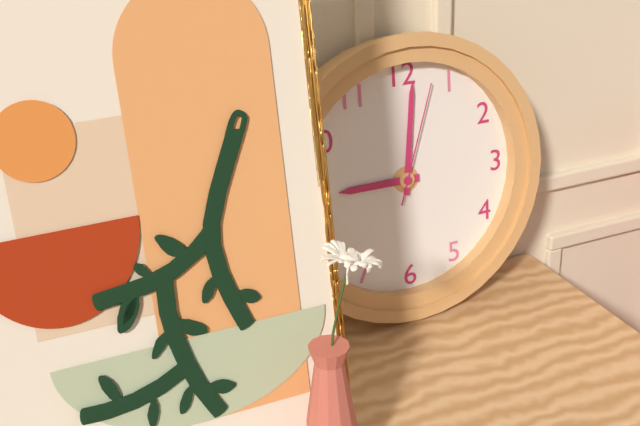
9.01.03
